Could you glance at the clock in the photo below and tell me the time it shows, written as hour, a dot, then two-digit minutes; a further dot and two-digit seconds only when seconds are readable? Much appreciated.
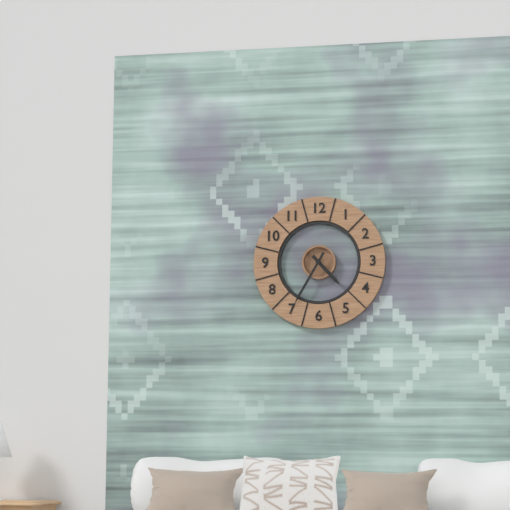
4.35
